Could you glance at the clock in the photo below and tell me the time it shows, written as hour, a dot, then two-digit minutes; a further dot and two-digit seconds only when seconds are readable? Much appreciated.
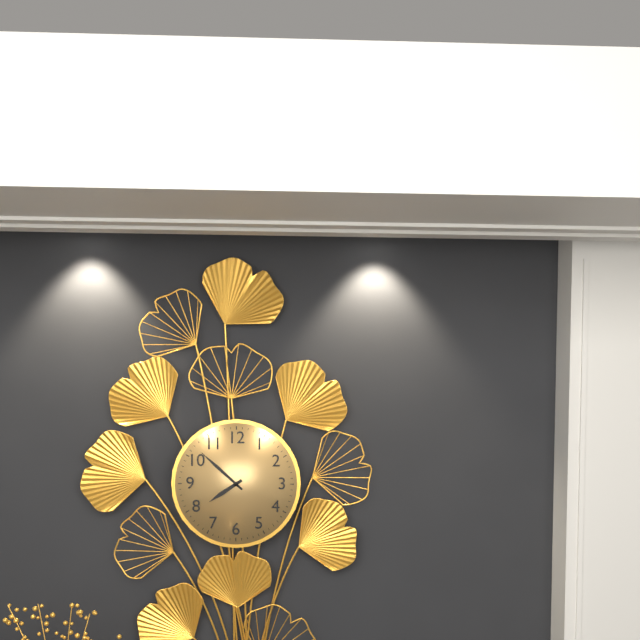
7.52
